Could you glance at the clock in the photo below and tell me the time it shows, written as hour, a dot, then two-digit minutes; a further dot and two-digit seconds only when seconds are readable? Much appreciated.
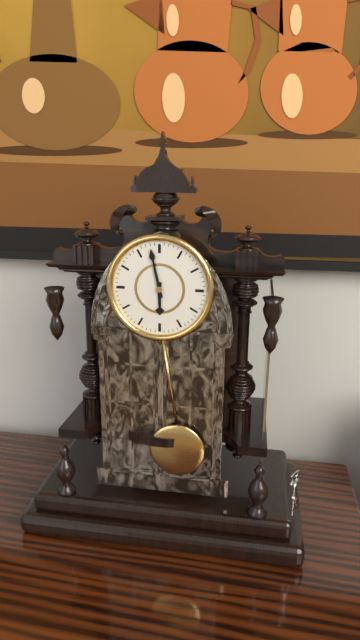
5.58
